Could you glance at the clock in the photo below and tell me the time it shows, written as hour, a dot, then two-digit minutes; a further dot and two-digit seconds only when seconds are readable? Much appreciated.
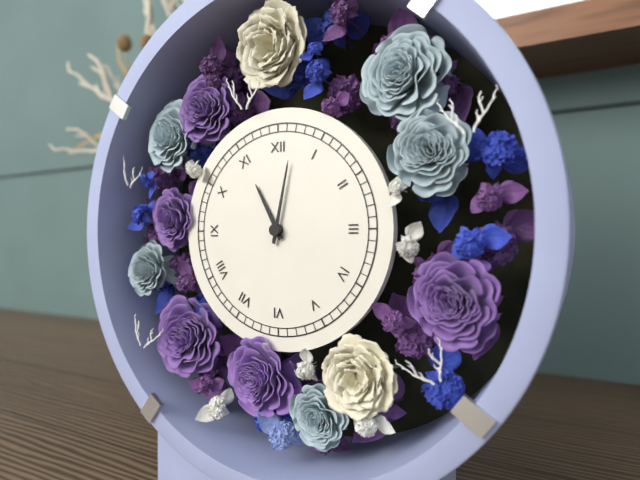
11.02
